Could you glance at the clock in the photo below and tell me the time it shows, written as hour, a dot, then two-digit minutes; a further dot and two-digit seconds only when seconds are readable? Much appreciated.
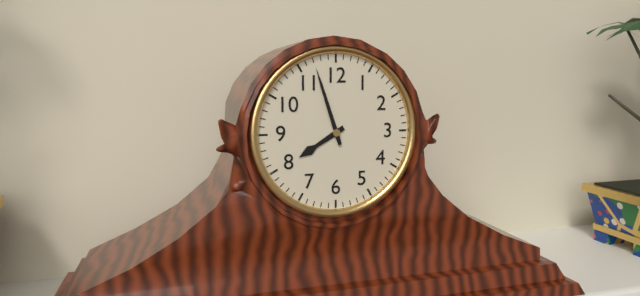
7.57
